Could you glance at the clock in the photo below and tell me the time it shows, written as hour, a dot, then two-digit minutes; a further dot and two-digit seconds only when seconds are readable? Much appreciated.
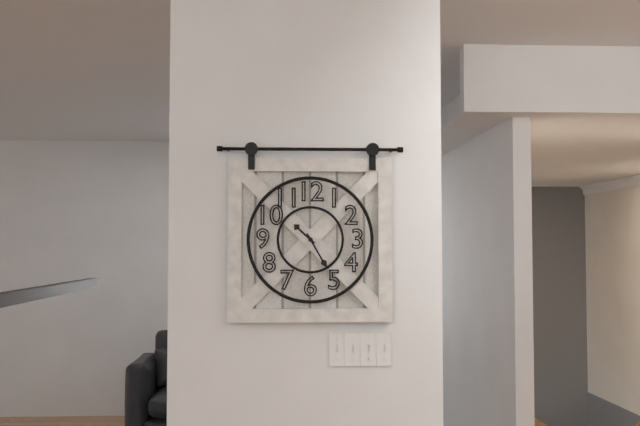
10.25
